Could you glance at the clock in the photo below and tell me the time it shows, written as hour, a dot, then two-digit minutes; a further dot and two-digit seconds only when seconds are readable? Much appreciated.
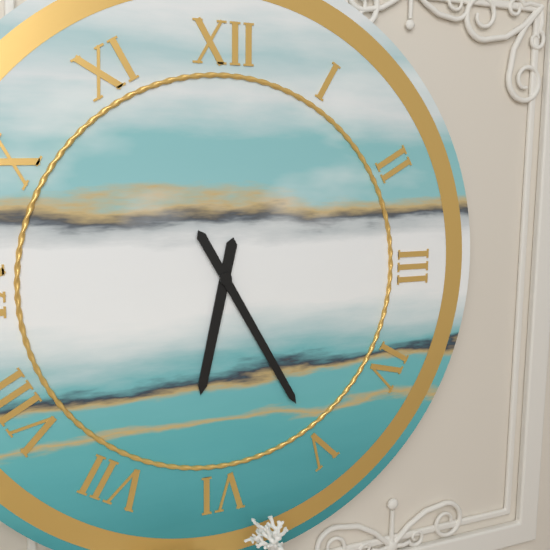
6.25
